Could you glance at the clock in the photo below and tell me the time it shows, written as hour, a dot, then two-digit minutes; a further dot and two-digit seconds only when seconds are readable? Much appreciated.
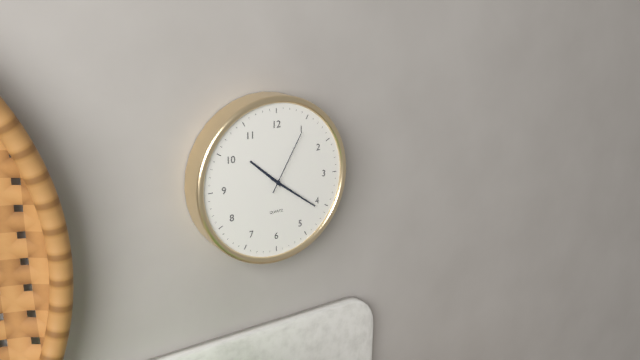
10.21.05
